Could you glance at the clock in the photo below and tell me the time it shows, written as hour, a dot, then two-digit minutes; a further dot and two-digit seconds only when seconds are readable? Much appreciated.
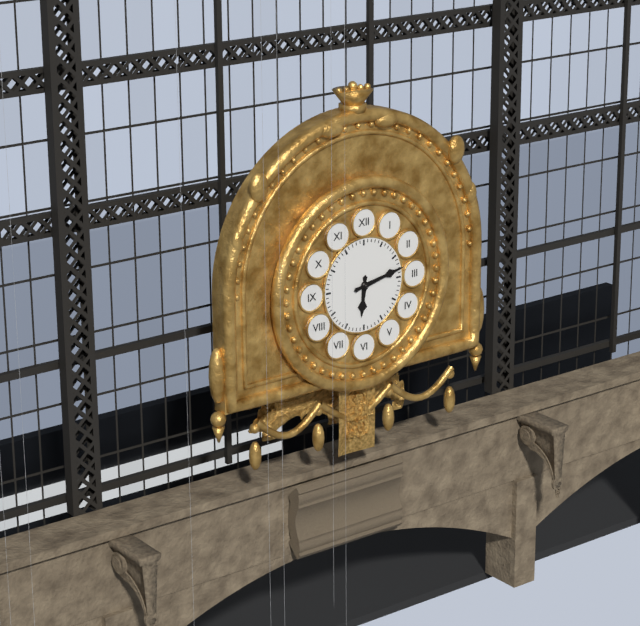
6.13
